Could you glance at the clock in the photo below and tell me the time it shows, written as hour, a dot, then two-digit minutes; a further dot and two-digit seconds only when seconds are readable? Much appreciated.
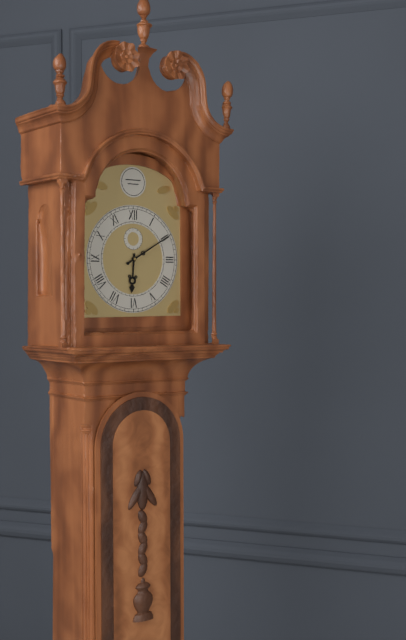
6.10
